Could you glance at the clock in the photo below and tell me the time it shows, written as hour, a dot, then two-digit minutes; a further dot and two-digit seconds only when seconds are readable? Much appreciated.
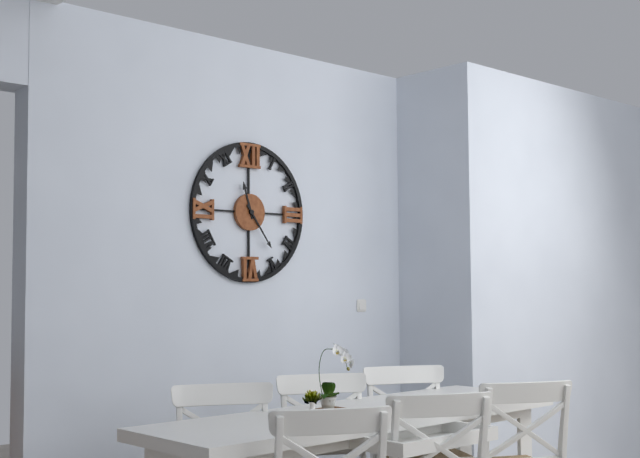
11.24
